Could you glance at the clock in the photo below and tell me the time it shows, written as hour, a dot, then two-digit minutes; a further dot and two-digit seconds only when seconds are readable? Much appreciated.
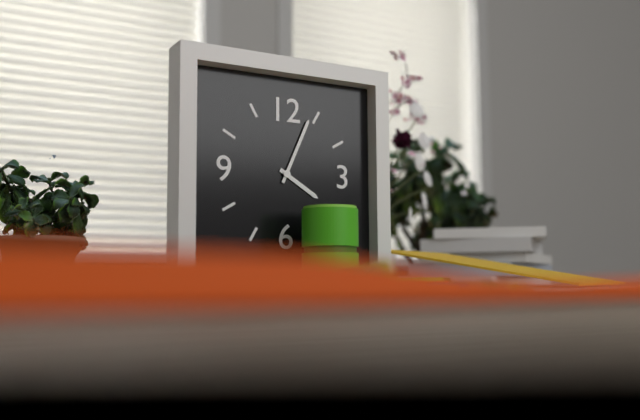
4.04
